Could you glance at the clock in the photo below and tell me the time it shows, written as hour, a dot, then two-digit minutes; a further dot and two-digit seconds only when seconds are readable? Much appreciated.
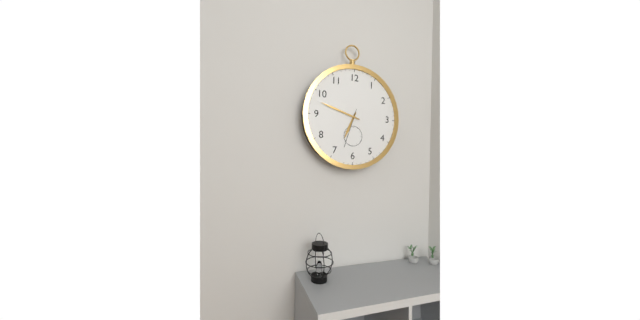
6.48
